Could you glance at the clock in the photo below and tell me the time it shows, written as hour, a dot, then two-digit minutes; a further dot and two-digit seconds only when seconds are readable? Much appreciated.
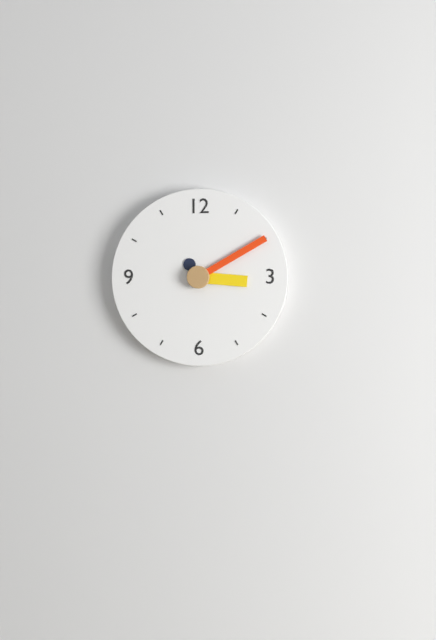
3.10
